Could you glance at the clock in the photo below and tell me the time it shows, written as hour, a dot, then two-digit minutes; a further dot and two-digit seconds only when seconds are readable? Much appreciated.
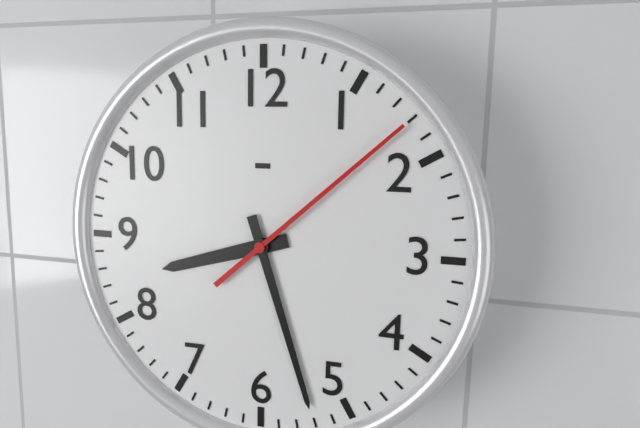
8.27.08
